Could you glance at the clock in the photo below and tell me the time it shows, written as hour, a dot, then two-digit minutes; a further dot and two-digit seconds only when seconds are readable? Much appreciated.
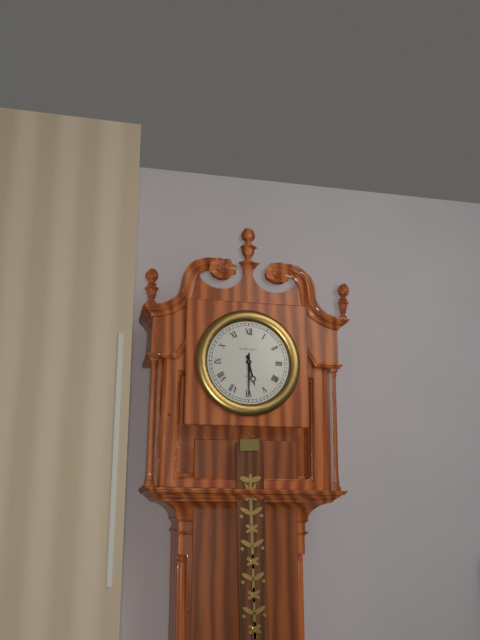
5.30
